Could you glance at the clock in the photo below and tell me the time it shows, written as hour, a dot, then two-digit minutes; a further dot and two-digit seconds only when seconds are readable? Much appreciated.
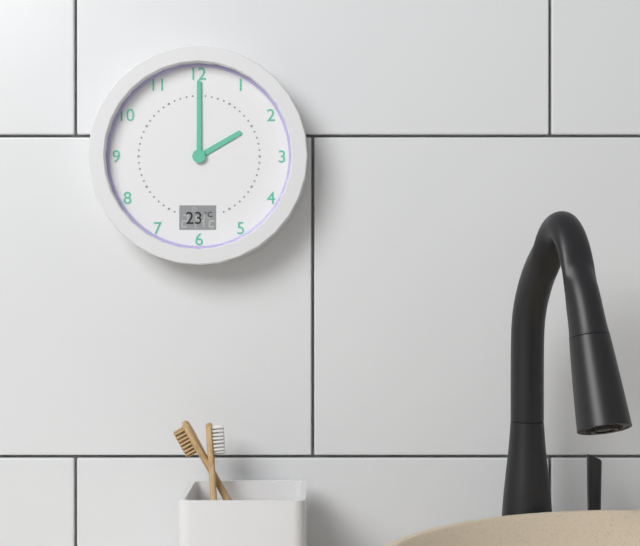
2.00
